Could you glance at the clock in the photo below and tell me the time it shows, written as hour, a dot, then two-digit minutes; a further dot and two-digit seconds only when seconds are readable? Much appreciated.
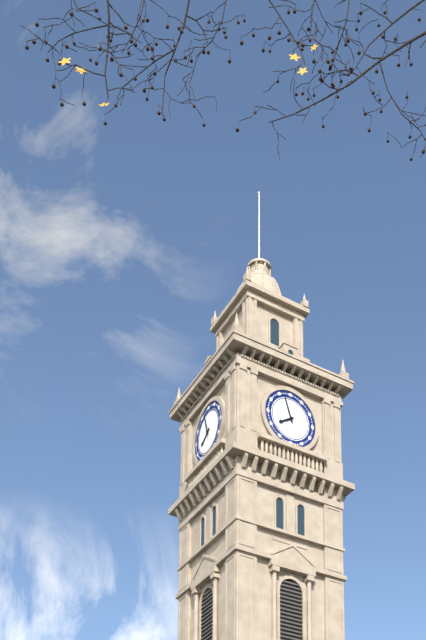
7.57
